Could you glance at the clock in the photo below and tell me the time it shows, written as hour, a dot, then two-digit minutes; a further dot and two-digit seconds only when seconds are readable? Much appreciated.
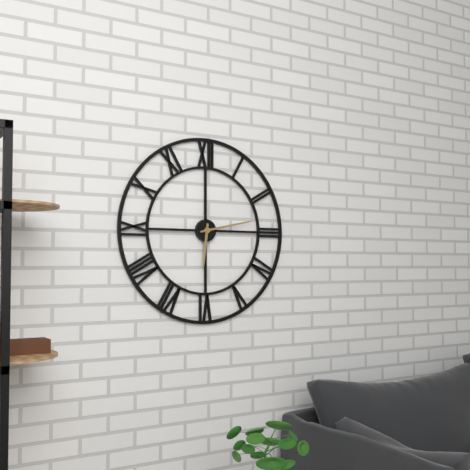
6.13
